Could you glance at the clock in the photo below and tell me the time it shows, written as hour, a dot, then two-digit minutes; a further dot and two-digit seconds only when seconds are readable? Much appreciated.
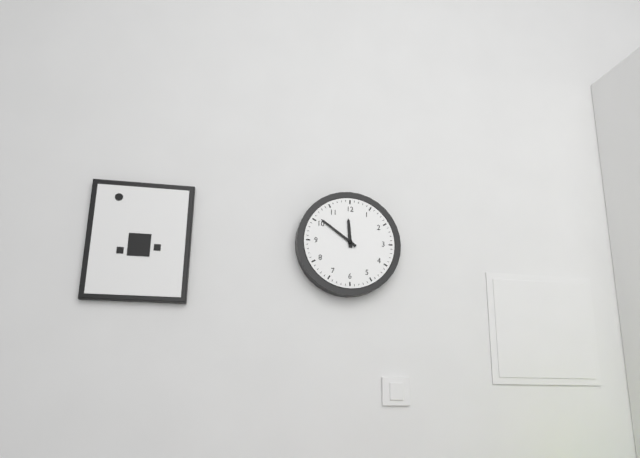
11.51
